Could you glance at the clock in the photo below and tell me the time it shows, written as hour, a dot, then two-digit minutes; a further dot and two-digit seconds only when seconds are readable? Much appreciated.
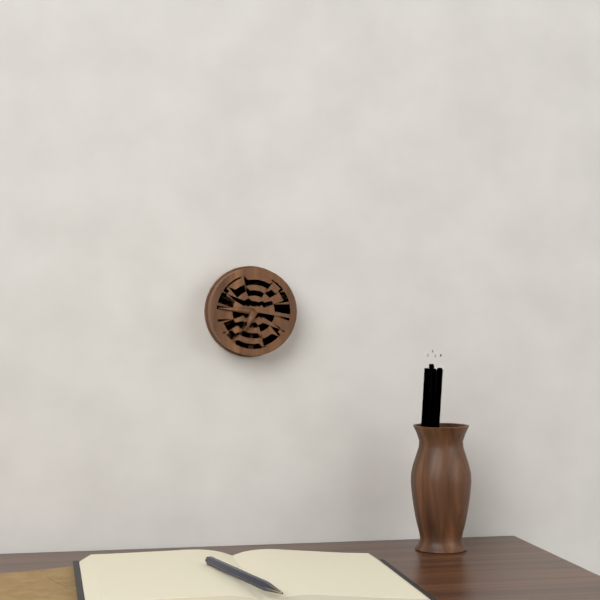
6.46
